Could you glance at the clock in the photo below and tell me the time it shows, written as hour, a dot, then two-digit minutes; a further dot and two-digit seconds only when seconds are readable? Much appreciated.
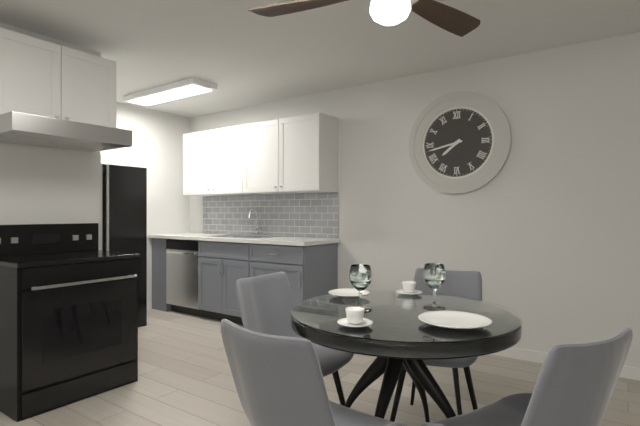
7.43
